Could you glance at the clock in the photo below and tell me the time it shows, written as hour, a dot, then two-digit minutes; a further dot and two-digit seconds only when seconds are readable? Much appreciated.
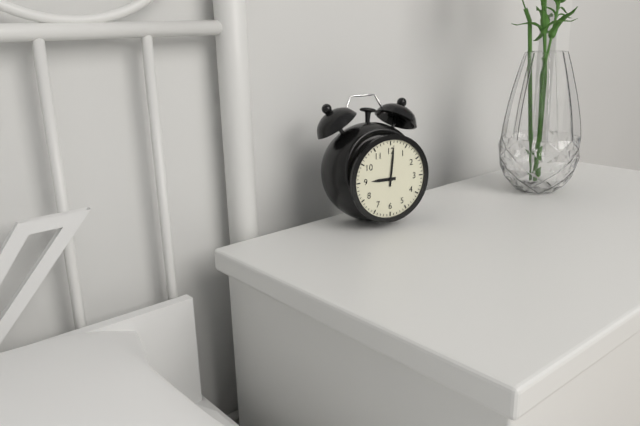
9.01
